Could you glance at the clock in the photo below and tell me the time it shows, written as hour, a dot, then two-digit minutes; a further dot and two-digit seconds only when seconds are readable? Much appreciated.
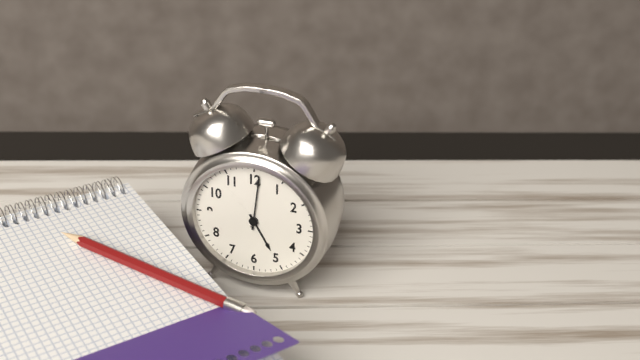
5.01
